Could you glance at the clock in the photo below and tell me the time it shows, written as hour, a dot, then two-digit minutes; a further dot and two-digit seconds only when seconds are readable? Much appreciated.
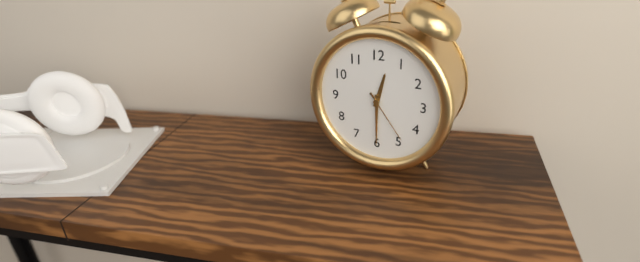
12.30.24
